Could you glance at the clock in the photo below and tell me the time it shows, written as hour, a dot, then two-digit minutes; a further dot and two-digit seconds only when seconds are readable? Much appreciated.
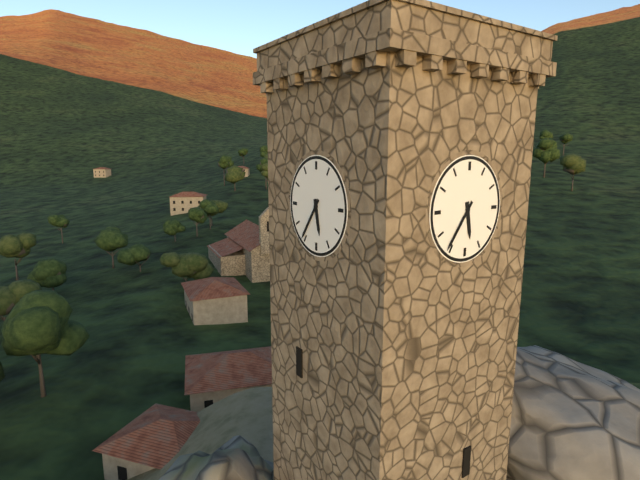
5.36
